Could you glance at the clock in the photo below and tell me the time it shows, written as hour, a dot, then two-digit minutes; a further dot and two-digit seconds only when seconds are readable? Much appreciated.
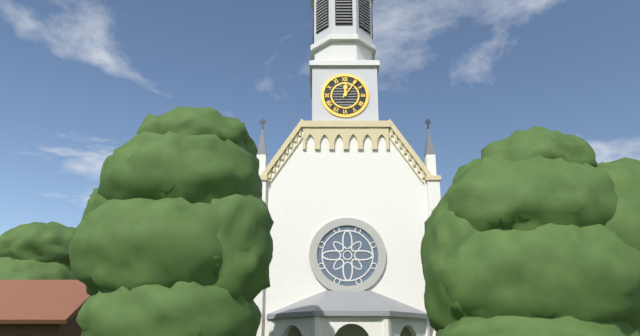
12.06
